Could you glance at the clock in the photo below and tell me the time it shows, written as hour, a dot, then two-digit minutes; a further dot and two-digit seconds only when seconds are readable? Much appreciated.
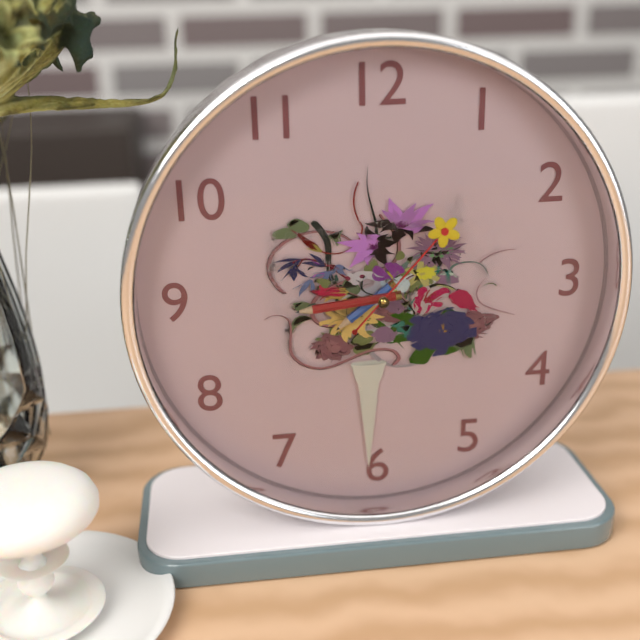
7.44.07
